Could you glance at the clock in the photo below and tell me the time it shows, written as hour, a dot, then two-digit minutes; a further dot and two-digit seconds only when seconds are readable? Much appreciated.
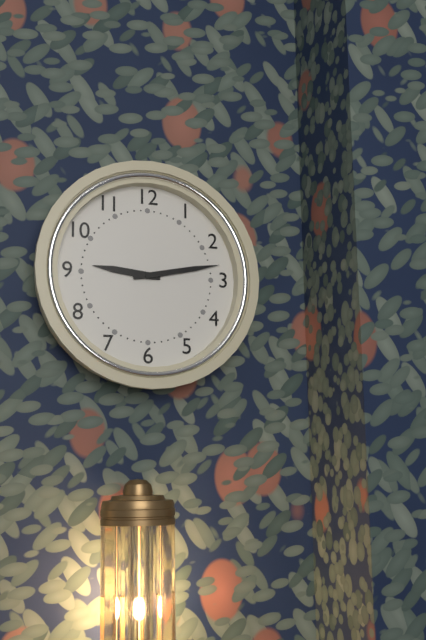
9.13
